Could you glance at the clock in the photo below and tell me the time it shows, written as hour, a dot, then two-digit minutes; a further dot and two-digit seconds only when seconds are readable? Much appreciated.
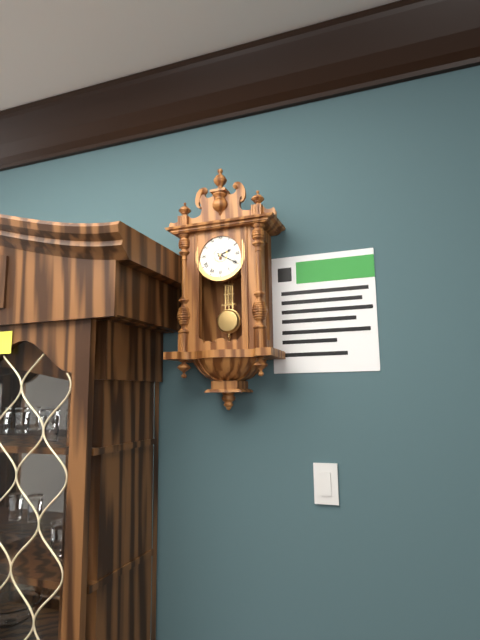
2.20
